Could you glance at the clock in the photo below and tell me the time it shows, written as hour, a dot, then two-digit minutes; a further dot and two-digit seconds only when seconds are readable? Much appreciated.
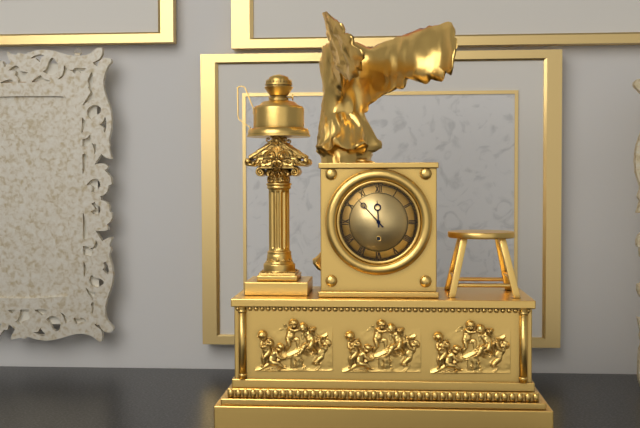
11.53
